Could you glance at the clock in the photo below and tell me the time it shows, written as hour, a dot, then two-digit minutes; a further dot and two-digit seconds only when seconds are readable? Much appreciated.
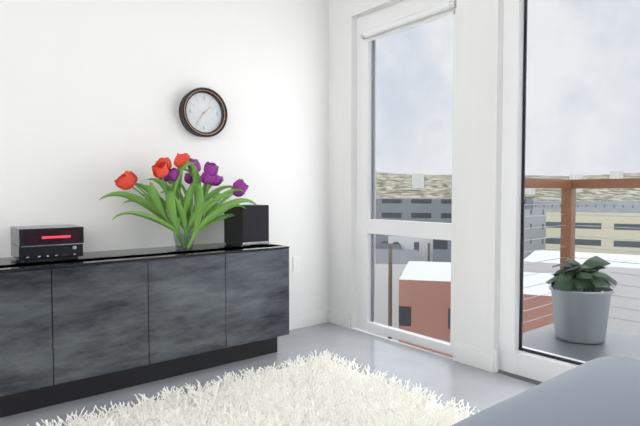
1.36
